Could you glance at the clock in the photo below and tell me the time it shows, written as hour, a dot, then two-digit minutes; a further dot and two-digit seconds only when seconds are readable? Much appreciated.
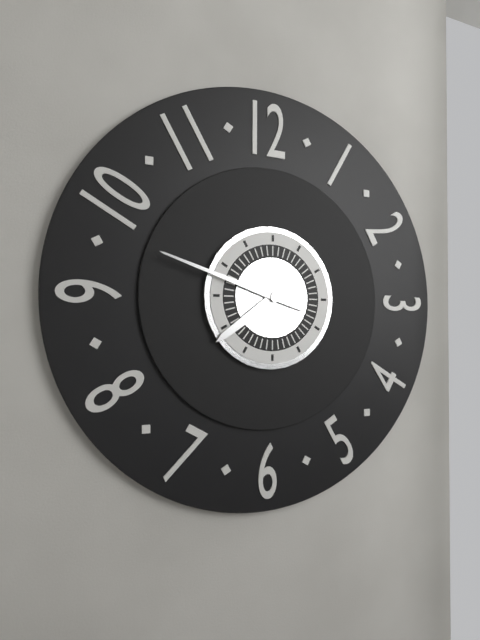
7.48
